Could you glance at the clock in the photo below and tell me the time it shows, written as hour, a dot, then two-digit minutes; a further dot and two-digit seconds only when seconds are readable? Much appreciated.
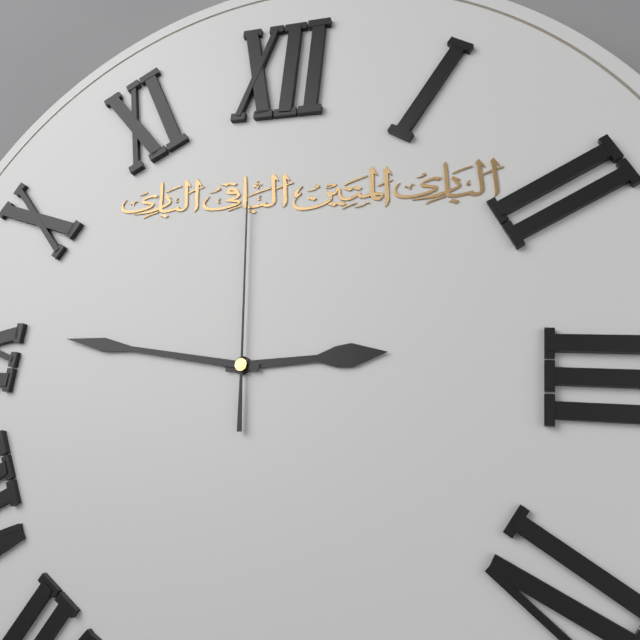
2.46.59
